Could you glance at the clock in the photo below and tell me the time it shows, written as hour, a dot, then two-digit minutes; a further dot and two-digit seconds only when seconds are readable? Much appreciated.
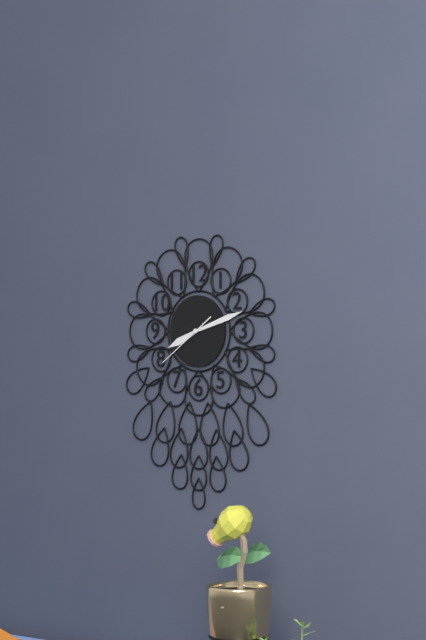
8.12.39
